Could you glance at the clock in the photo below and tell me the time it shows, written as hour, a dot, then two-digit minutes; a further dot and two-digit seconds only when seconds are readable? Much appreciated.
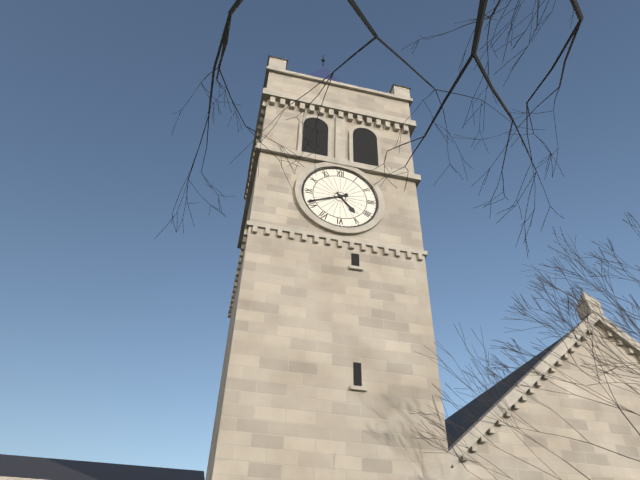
4.41
